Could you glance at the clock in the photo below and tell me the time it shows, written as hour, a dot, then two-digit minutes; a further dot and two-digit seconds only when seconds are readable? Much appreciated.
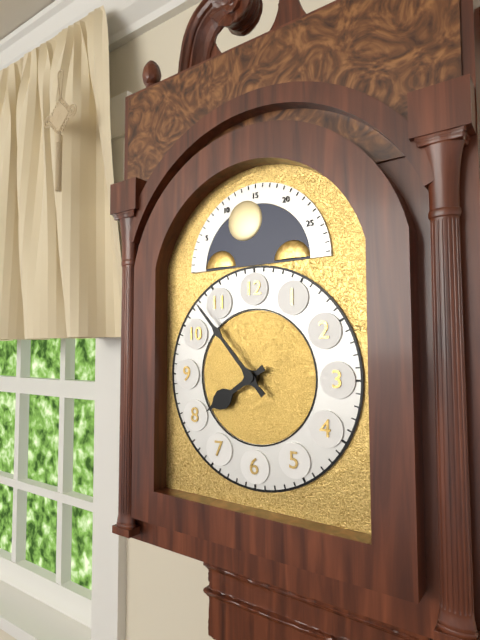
7.53
